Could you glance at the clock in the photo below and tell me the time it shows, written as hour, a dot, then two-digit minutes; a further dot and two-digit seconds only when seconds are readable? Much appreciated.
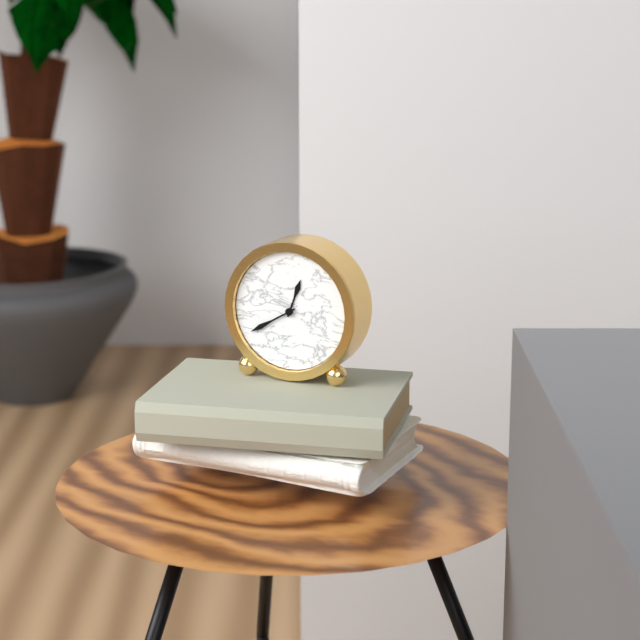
12.40
